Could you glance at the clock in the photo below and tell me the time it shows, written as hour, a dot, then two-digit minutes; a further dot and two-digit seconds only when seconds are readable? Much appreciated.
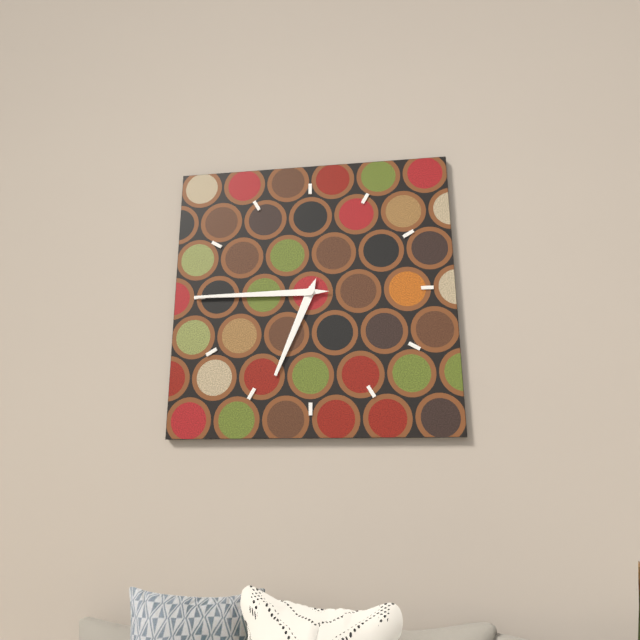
6.45
